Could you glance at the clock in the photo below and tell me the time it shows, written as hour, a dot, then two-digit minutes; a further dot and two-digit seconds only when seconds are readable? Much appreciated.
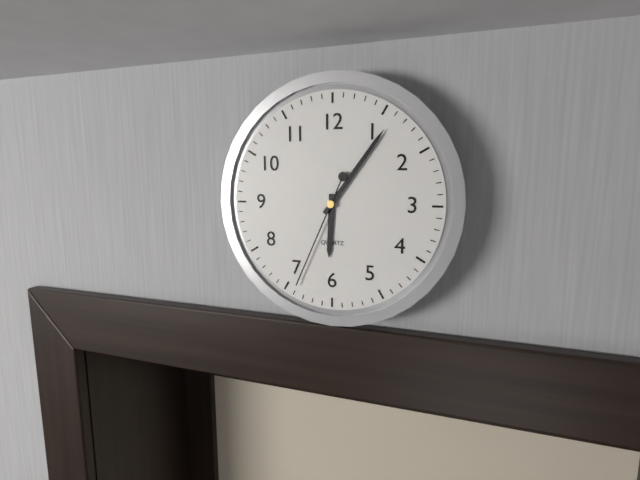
6.06.34
